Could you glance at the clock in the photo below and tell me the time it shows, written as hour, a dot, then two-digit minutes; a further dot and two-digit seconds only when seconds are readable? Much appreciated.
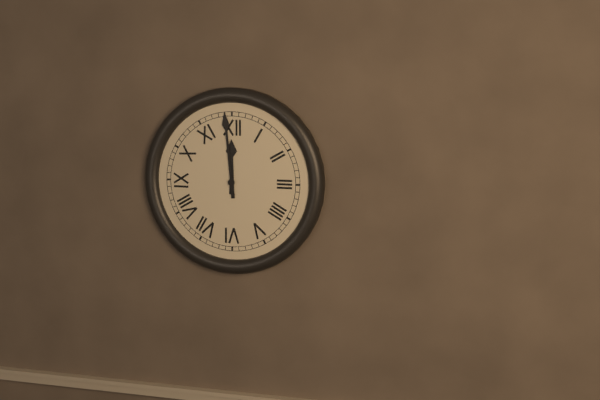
11.59
